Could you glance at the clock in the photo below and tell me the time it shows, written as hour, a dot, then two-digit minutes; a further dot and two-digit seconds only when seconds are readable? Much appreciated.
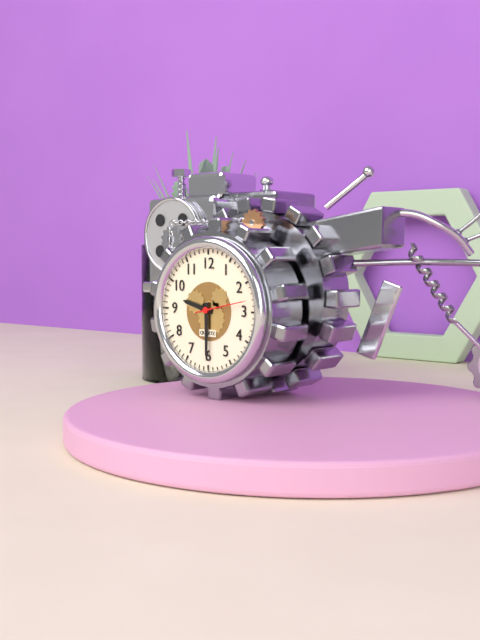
9.30.13
